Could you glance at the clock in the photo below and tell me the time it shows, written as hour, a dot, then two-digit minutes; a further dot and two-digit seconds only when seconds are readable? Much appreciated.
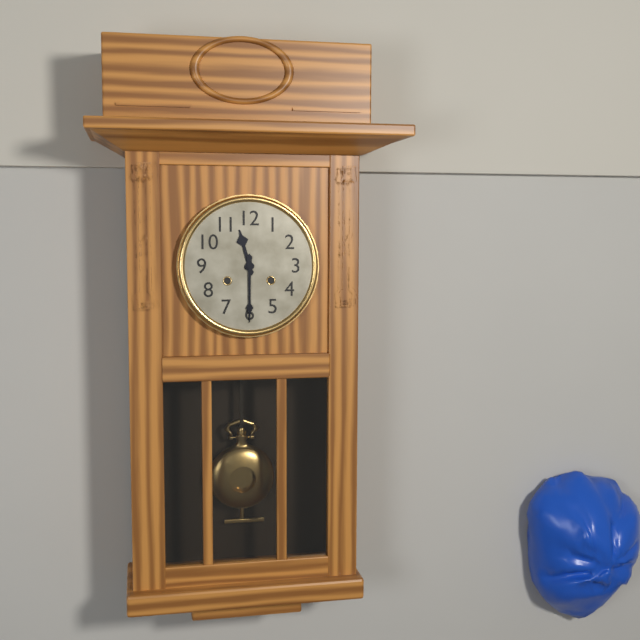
11.30
